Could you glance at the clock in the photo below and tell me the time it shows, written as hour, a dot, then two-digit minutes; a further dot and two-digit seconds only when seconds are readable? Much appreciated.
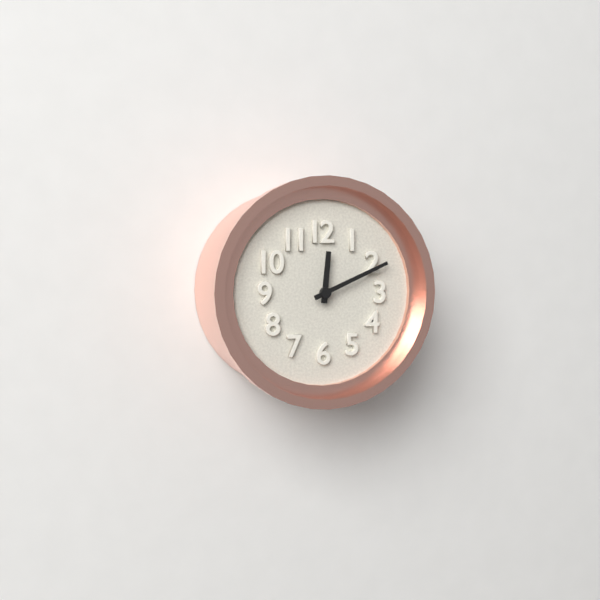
12.11
